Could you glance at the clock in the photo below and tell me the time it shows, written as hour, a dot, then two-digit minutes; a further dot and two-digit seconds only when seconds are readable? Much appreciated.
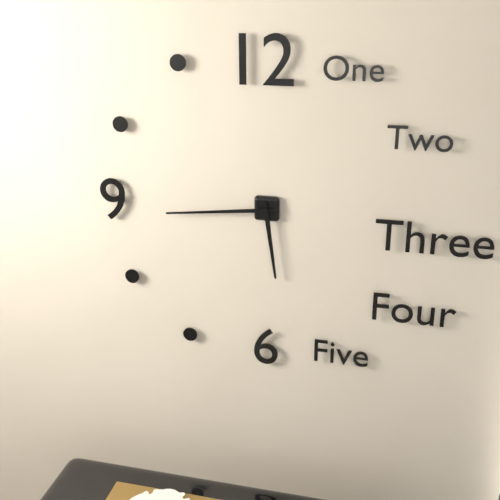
5.44
